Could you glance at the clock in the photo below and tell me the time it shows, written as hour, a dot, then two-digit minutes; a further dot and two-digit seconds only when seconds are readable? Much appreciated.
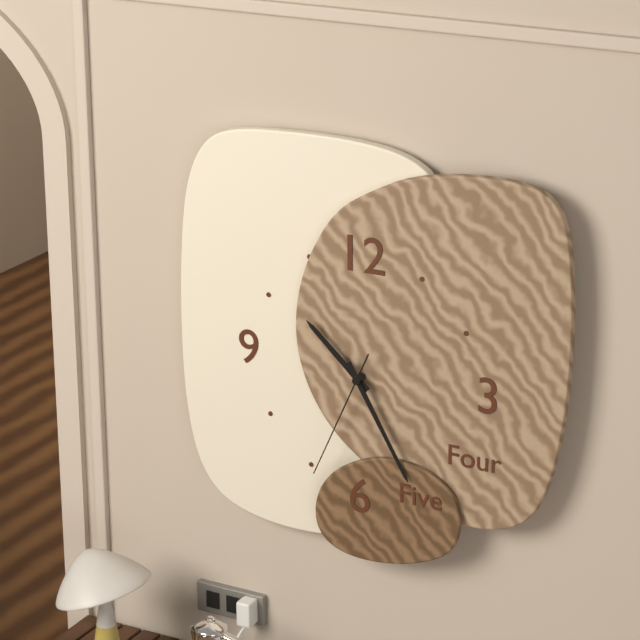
10.25.34
